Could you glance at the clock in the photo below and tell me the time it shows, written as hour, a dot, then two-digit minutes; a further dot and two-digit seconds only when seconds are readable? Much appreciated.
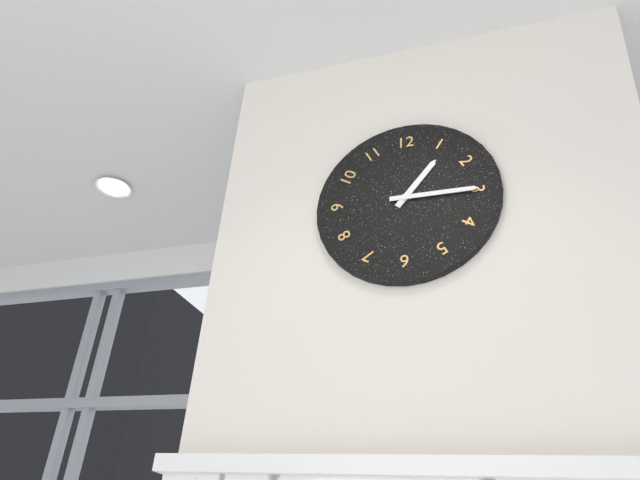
1.15
